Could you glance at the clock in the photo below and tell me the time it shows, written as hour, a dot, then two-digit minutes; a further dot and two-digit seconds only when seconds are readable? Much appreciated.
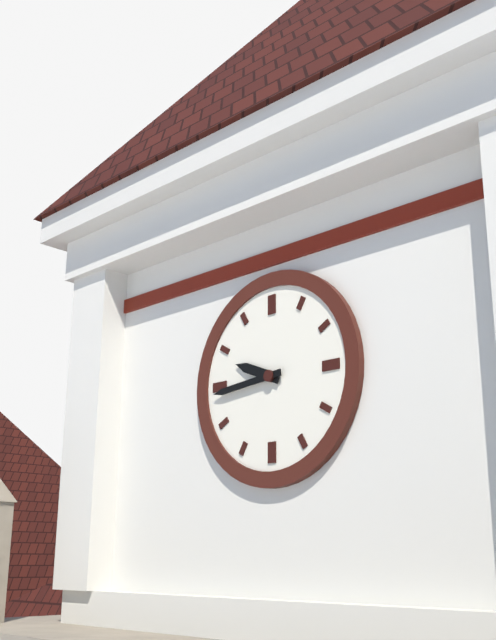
9.44
